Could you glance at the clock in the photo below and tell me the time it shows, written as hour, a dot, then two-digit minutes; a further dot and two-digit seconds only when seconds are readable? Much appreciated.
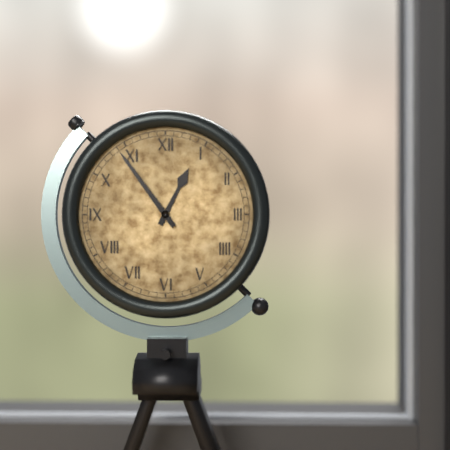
12.54
